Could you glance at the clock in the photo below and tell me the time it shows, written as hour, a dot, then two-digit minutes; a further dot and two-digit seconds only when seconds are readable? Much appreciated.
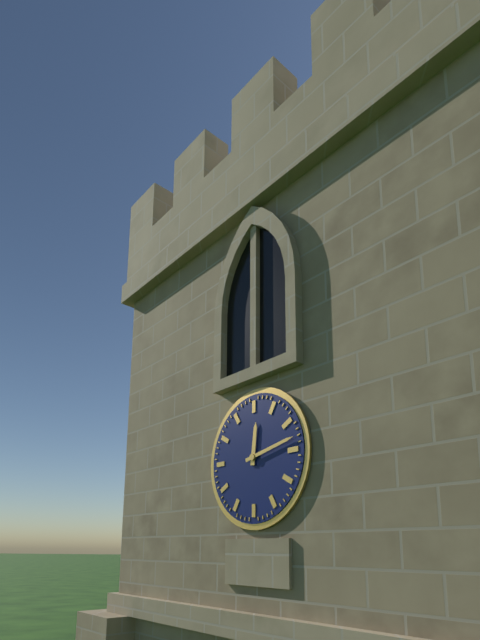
12.13
